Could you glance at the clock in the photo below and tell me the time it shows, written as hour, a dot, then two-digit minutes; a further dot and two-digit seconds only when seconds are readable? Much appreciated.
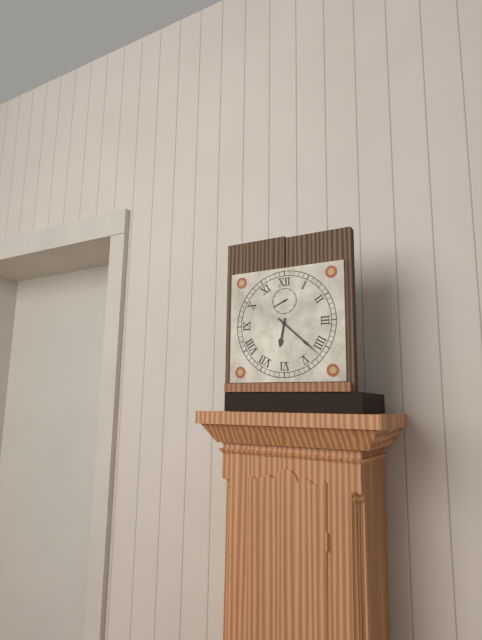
6.22
